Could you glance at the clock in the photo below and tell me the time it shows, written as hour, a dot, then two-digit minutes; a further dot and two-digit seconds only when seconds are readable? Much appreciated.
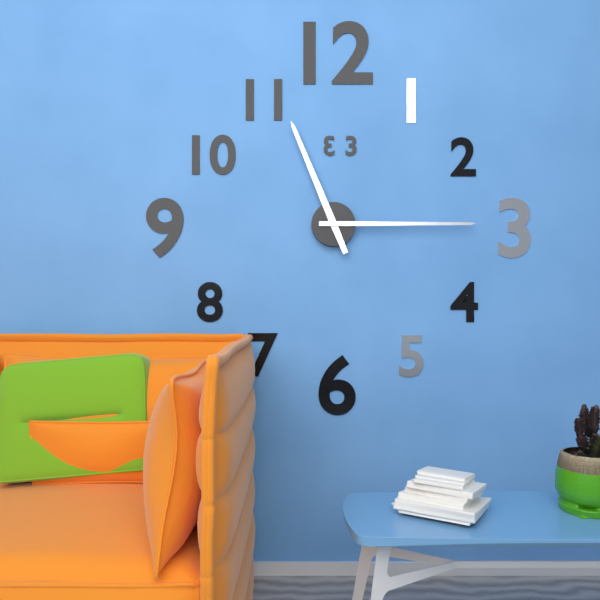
11.15
